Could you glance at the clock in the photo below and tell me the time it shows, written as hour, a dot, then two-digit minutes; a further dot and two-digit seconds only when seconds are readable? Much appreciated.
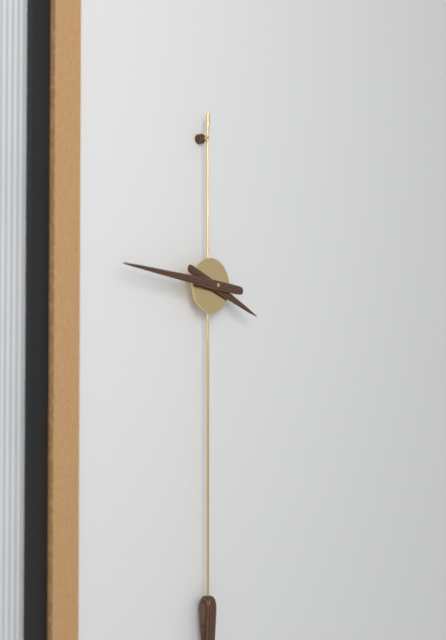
3.46
